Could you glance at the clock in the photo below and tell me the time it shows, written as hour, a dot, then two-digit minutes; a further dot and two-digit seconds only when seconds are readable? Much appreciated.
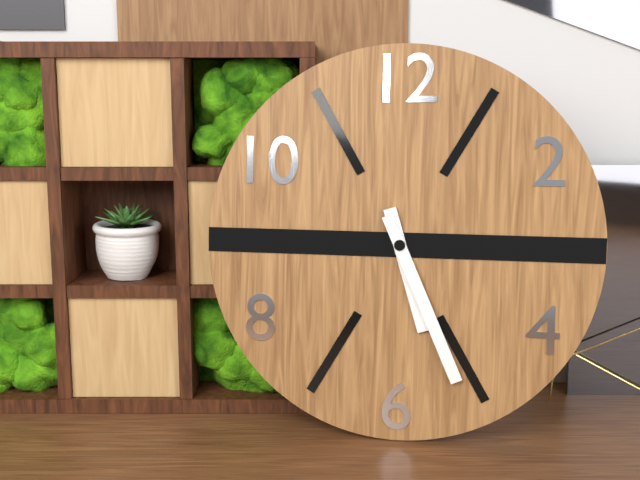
5.26
